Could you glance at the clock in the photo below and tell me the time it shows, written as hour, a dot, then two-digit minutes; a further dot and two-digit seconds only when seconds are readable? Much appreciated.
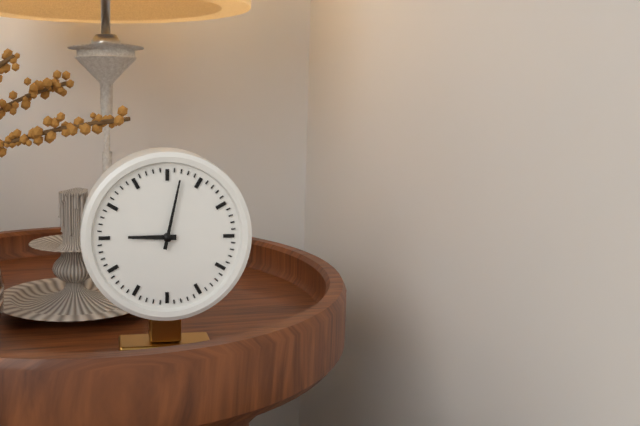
9.02
